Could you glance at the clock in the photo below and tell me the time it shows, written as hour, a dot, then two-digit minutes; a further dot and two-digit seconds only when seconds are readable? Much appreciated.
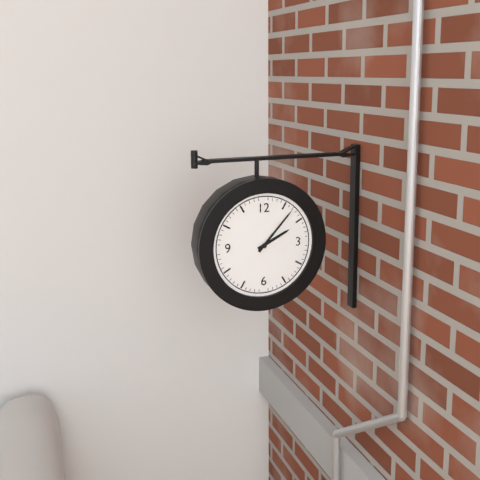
2.07
